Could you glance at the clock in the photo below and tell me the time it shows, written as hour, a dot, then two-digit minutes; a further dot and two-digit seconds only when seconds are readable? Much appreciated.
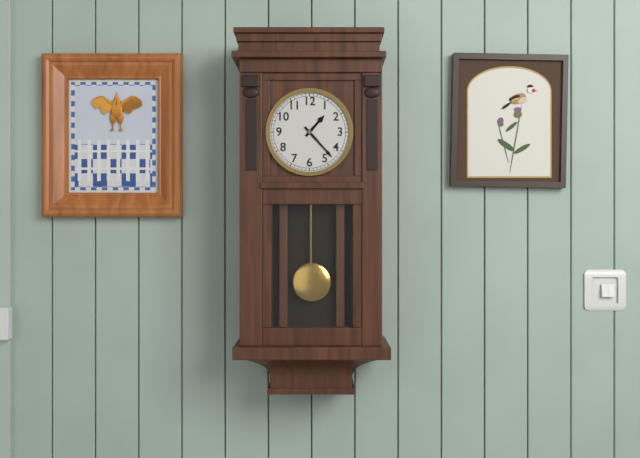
1.23
